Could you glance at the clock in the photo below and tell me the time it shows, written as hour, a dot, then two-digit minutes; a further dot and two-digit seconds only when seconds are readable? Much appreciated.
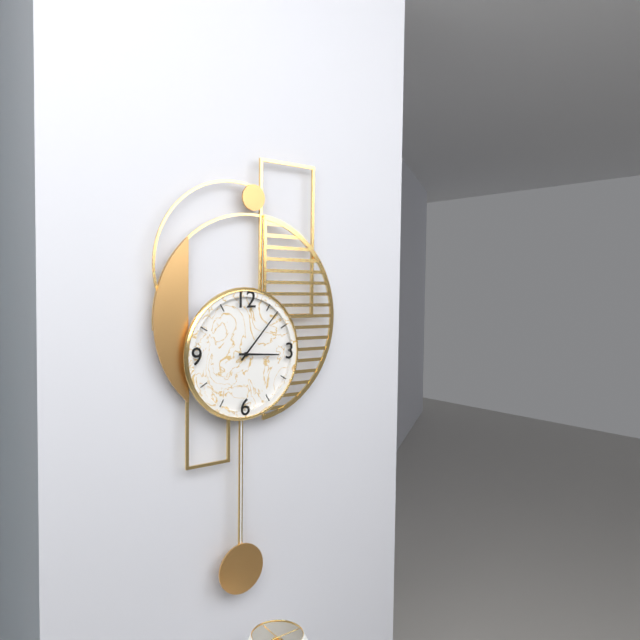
3.07
